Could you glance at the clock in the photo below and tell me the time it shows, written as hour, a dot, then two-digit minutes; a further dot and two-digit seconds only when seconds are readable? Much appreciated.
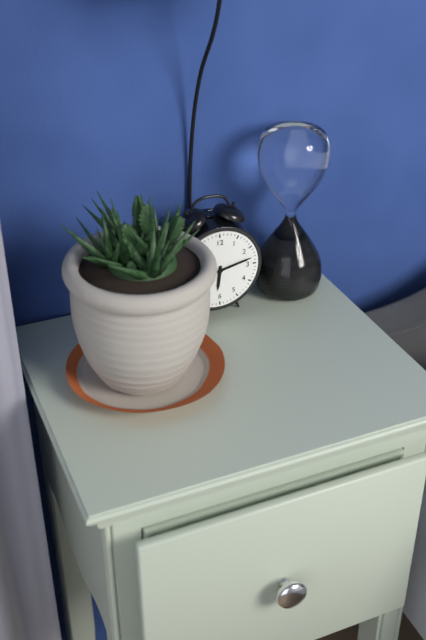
6.13
